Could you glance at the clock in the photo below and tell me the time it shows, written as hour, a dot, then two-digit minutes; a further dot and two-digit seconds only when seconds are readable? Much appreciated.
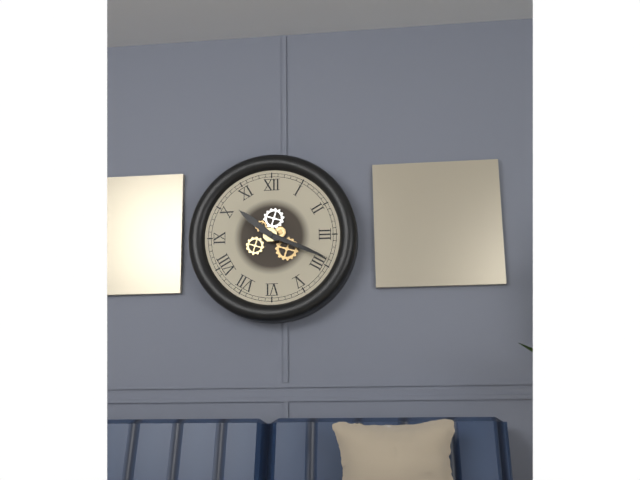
10.19
